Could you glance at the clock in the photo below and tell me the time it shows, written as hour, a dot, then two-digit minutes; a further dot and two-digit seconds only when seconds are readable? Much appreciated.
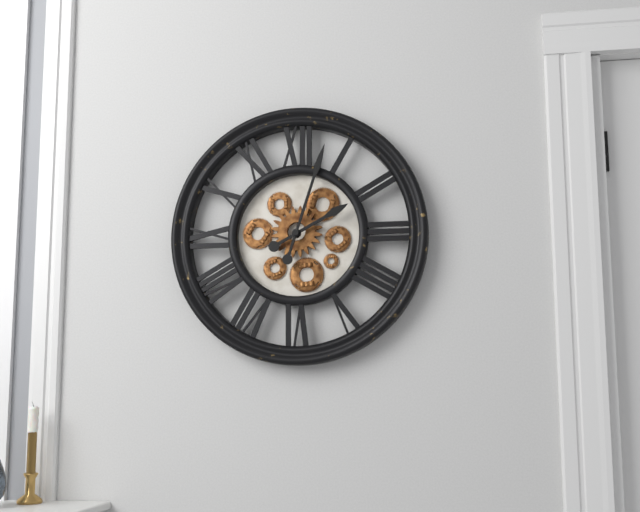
2.03
